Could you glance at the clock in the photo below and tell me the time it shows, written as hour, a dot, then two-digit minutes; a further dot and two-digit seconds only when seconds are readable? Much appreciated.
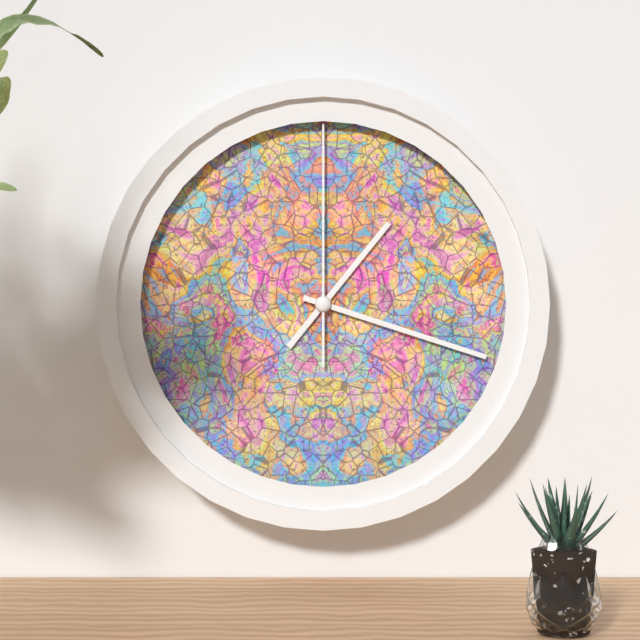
1.18.00
